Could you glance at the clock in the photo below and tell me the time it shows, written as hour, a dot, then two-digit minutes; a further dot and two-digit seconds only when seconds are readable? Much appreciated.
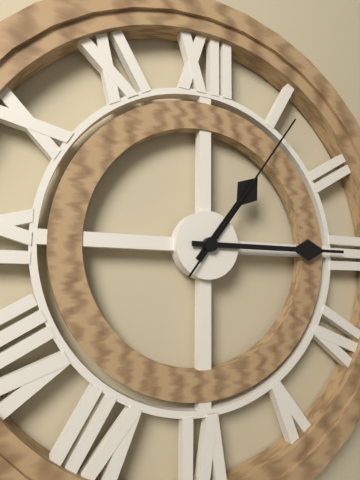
1.15.06
